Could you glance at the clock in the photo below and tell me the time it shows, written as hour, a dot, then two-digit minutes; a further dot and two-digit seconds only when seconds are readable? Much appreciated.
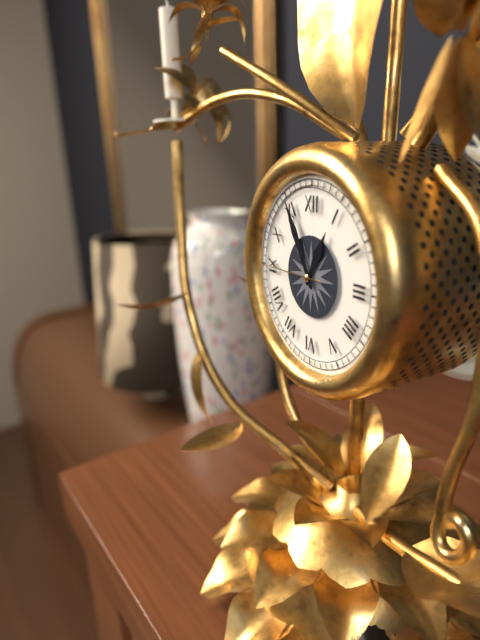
12.55.45
